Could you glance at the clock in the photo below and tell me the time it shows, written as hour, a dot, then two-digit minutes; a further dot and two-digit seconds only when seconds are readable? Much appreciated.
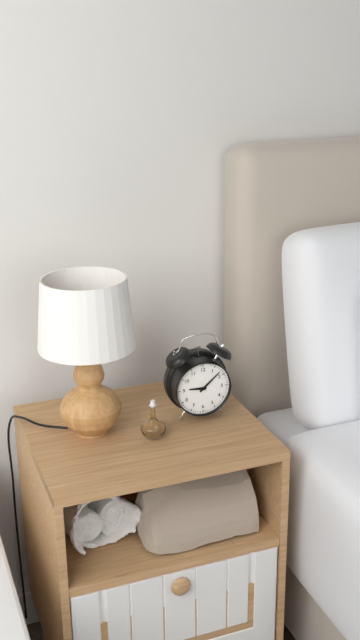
9.08
